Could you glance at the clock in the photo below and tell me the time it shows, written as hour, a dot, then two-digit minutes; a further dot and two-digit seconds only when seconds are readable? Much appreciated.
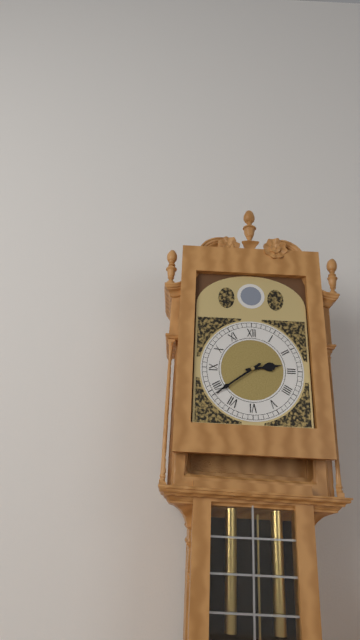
2.39
